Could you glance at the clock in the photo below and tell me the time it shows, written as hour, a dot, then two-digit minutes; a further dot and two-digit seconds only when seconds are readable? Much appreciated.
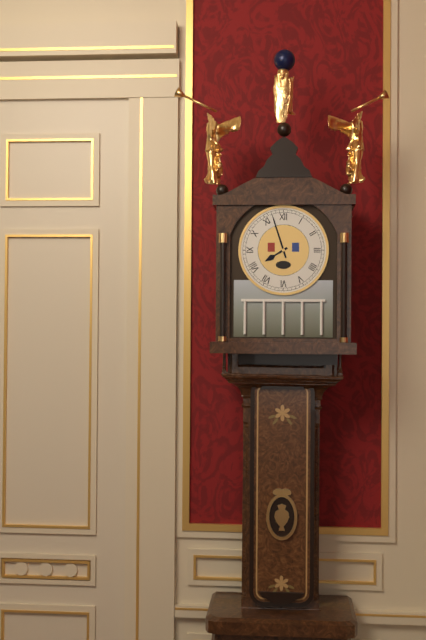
7.57
